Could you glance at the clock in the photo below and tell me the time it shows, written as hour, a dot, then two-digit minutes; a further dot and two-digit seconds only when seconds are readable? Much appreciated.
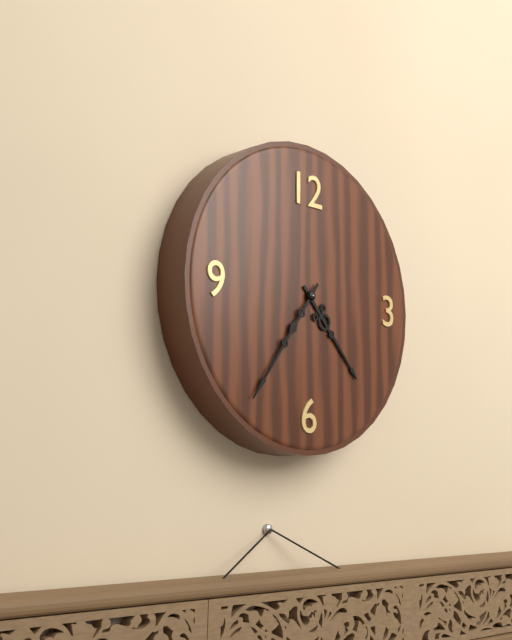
4.36
